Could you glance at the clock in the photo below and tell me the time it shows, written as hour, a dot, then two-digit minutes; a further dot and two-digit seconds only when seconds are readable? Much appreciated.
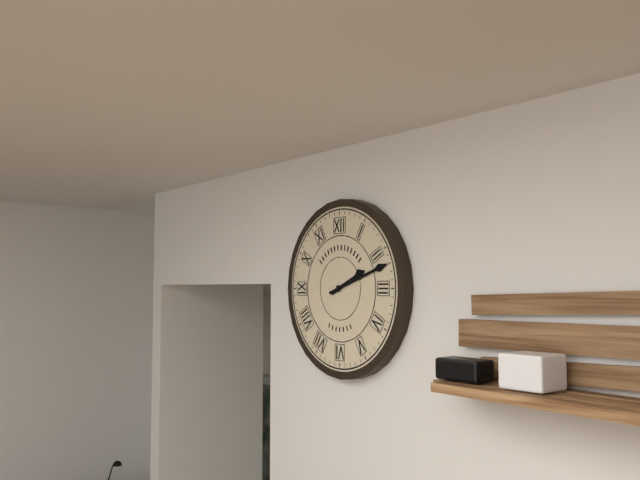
2.12
